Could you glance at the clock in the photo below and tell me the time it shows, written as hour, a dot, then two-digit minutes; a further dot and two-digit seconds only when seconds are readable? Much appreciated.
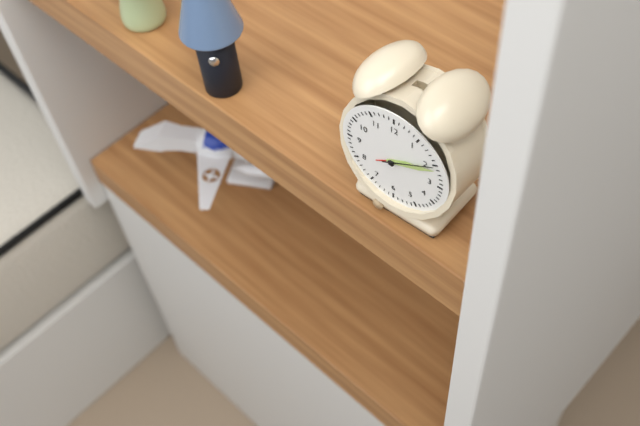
2.11.10
